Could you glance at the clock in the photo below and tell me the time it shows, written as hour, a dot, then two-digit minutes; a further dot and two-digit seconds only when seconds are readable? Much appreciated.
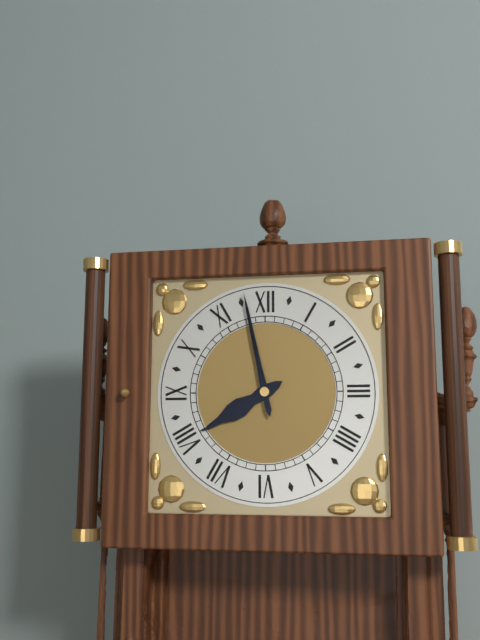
7.58
